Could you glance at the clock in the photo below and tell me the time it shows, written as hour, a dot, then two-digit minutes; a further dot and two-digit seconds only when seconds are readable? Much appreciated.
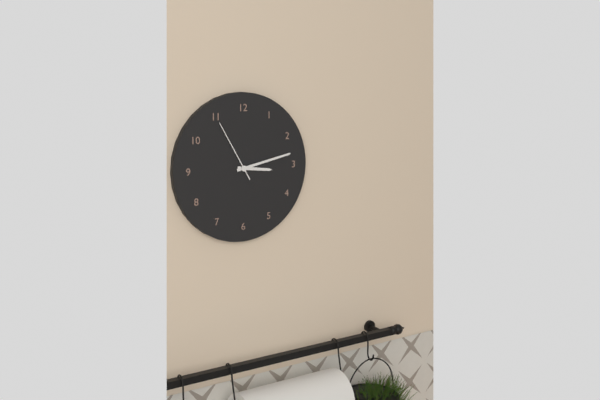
3.13.55
